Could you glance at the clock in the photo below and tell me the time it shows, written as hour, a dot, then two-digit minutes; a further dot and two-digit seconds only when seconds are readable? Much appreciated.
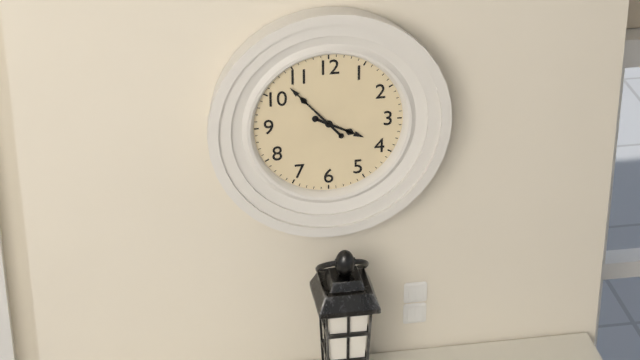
3.53
